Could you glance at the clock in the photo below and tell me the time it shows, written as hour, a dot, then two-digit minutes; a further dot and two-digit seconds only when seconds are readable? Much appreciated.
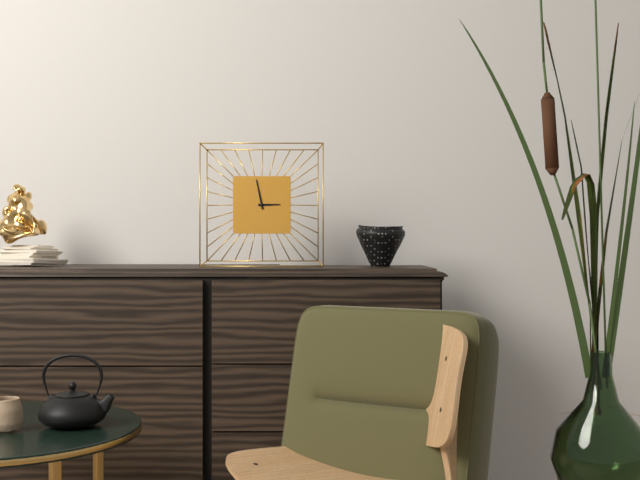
2.58
